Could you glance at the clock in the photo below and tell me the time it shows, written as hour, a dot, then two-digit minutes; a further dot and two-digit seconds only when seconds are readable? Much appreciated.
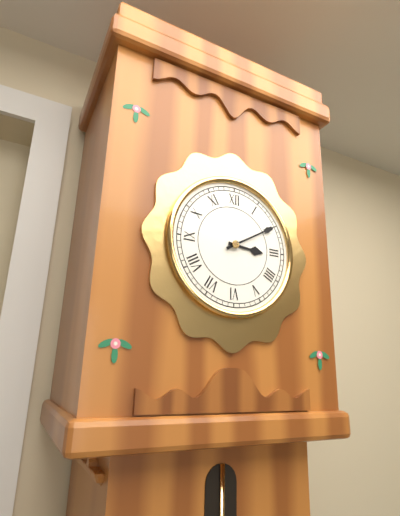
3.10
